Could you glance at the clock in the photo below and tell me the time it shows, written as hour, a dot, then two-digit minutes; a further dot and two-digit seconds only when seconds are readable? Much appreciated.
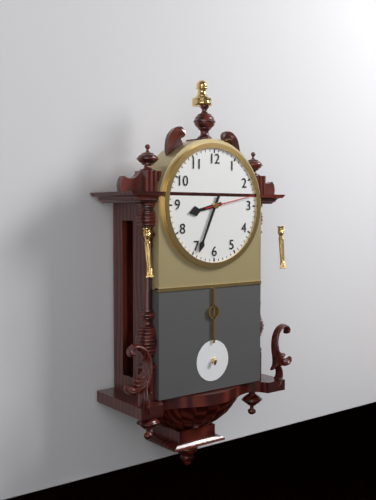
8.34
